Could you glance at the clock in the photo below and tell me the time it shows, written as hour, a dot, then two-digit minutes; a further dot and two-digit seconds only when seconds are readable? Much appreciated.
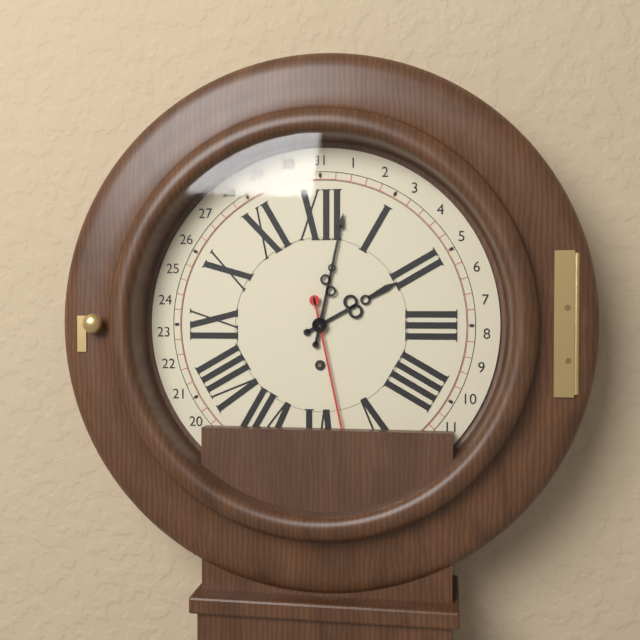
2.02.28
